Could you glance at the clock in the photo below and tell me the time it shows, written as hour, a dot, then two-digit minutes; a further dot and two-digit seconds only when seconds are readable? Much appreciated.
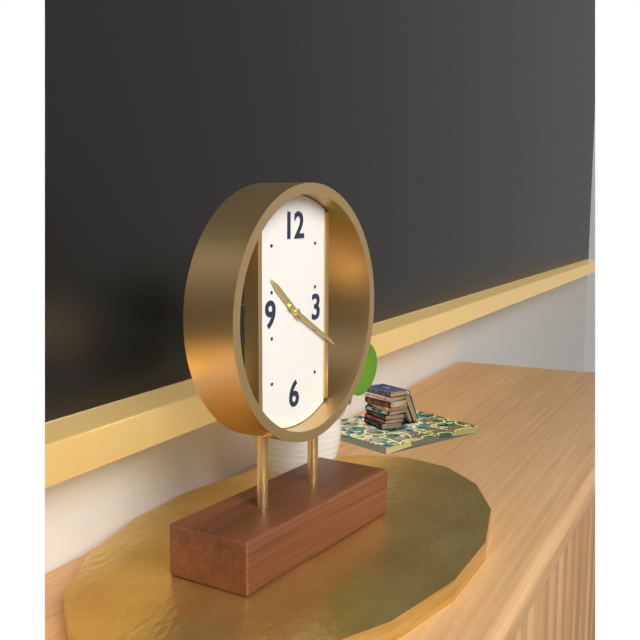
10.20
